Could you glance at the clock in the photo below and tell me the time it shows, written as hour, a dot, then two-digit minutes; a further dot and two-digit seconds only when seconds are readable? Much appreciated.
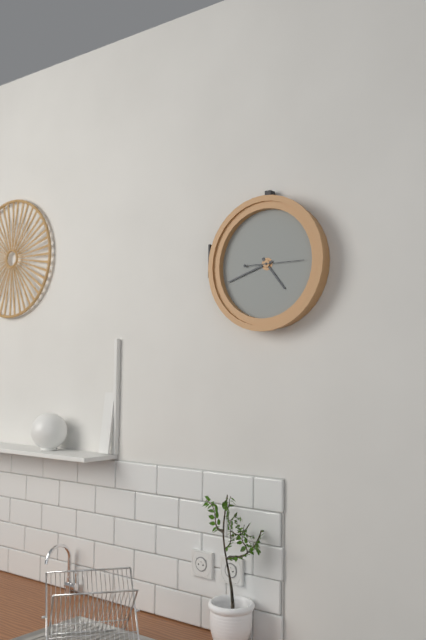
4.42
